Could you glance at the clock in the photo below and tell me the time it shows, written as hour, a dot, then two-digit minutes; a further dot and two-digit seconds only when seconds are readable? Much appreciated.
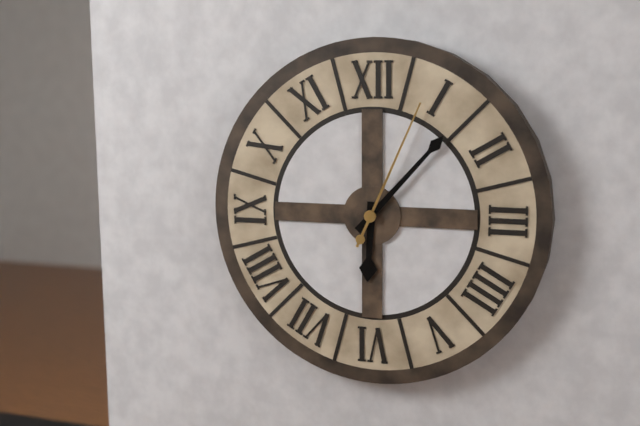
6.07.04
